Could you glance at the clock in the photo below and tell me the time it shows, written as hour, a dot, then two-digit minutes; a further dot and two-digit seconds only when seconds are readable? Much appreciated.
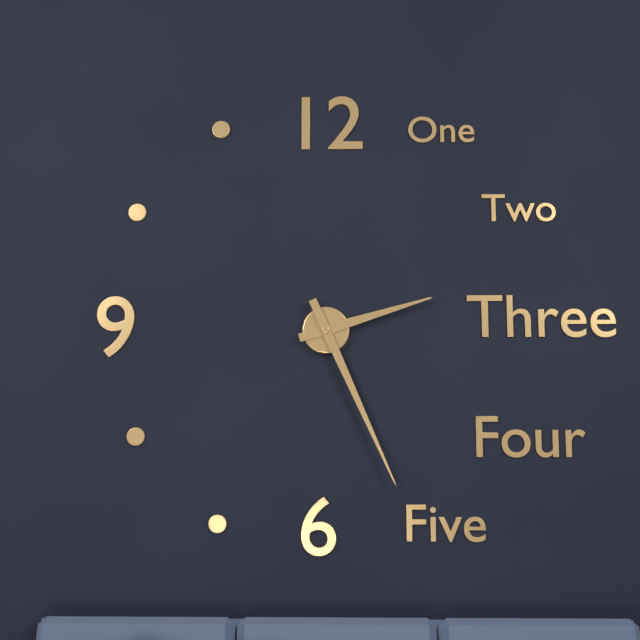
2.26
